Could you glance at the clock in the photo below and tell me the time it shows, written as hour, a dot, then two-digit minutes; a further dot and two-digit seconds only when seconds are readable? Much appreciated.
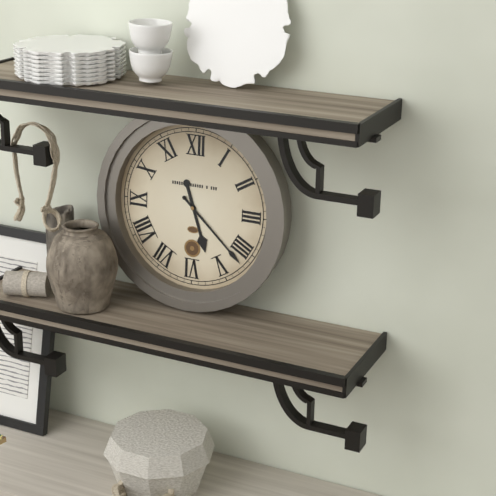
5.22
